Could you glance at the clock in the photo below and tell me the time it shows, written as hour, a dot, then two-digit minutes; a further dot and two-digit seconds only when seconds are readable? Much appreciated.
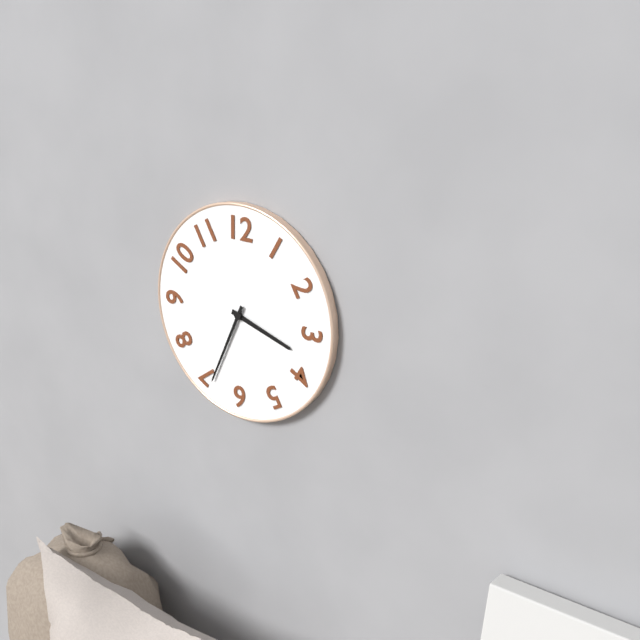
3.34
